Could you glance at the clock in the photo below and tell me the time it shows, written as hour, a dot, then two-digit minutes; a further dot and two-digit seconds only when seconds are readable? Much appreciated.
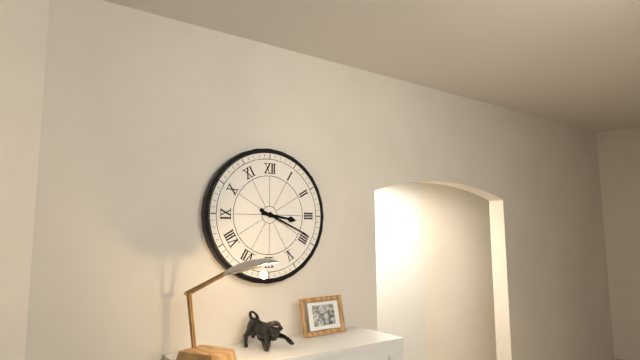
3.19
